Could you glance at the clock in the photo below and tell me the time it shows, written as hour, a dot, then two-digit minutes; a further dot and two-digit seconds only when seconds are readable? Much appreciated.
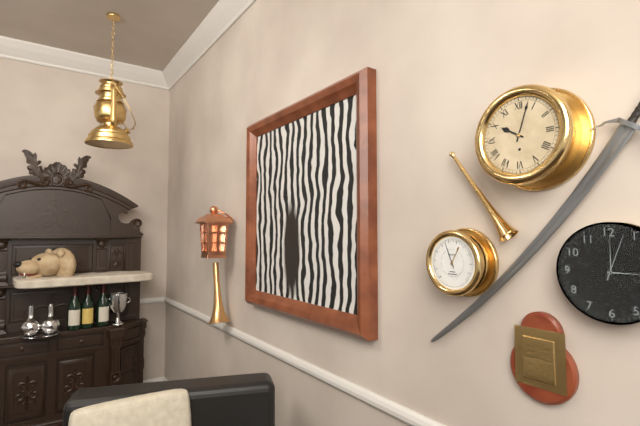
10.03
